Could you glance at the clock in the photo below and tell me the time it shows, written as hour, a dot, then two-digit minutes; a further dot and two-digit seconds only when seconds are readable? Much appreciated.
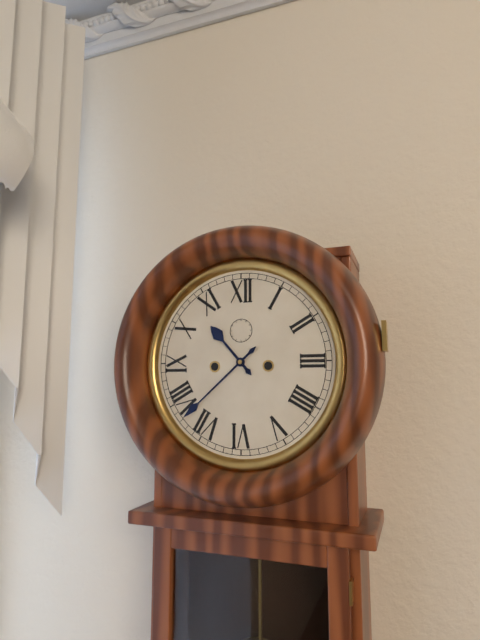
10.38
